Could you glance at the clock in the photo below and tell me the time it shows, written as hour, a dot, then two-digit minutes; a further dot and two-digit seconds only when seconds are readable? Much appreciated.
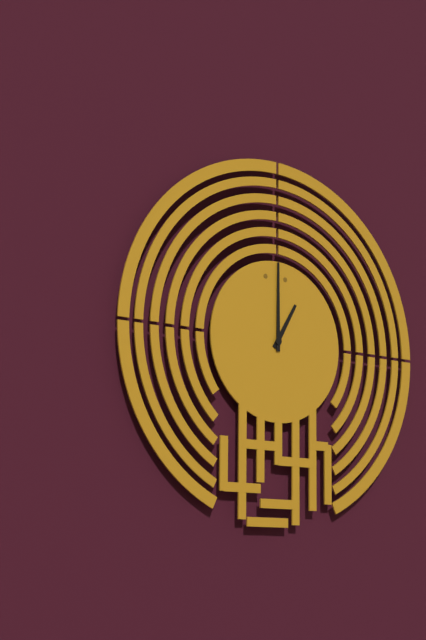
1.00
